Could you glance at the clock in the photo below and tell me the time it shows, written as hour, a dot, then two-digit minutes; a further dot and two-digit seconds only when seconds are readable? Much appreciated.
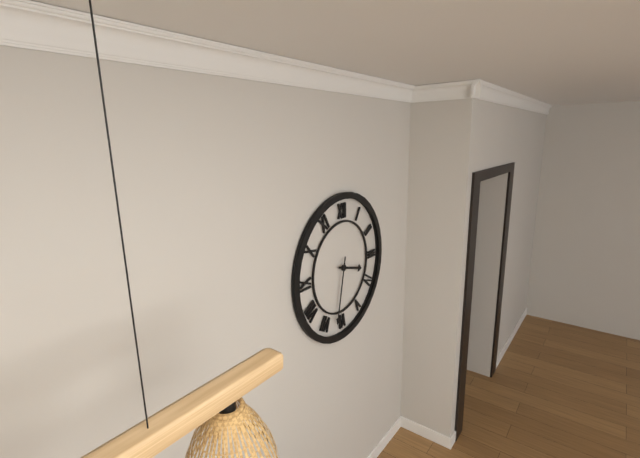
3.32
